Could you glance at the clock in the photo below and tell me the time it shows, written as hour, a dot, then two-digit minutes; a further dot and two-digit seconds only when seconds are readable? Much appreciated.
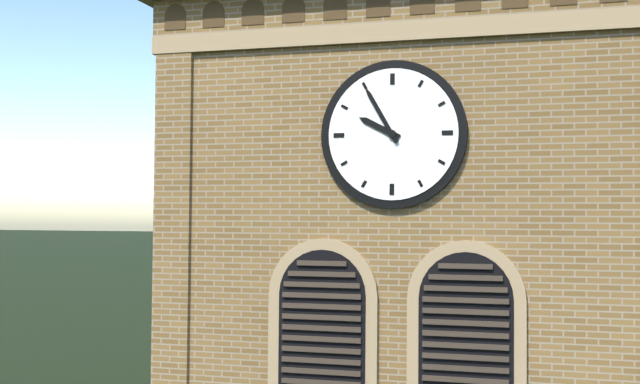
9.55
